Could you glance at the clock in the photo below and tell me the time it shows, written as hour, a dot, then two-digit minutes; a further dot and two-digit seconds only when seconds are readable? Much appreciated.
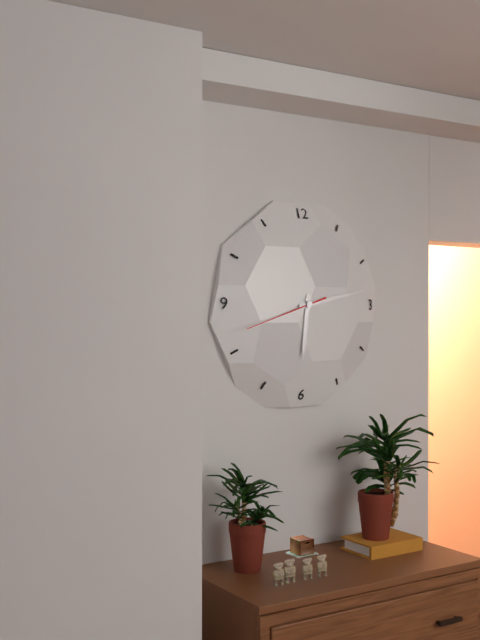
6.13.42
